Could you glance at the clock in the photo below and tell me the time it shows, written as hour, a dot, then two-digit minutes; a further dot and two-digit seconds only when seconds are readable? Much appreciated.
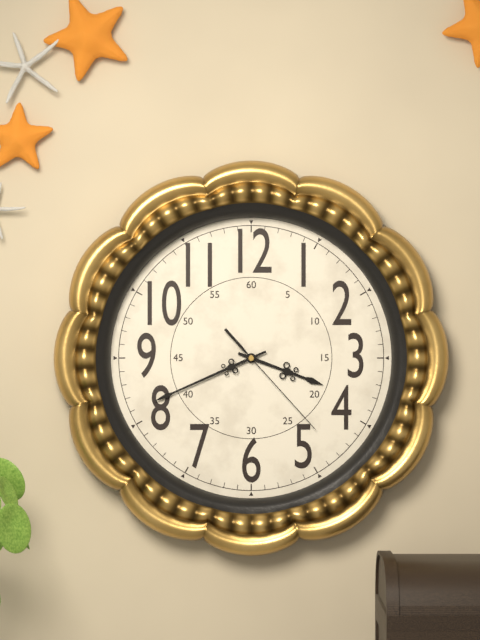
3.41.23
